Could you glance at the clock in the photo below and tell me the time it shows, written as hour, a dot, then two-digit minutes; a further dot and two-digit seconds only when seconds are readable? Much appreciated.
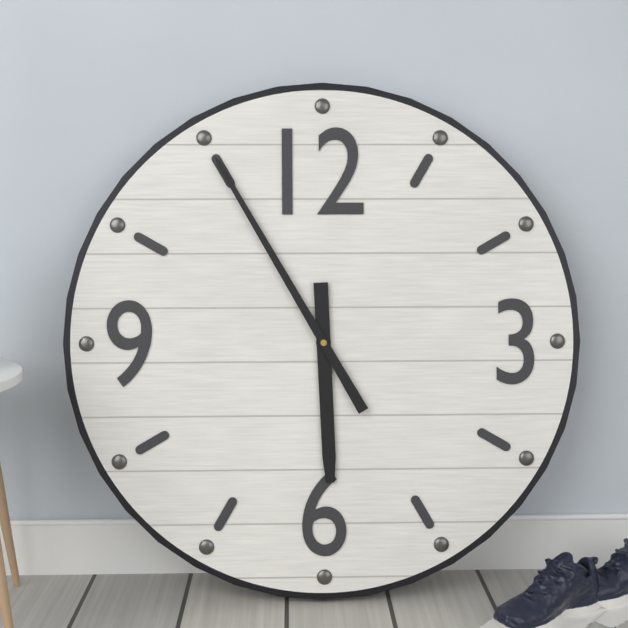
5.55
